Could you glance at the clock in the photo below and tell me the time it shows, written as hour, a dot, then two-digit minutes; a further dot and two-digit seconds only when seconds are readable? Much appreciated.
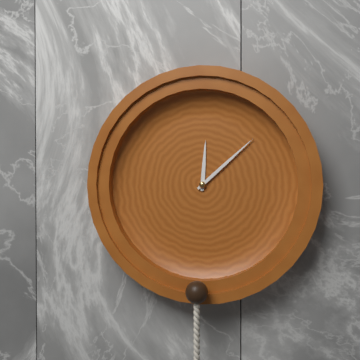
12.08
